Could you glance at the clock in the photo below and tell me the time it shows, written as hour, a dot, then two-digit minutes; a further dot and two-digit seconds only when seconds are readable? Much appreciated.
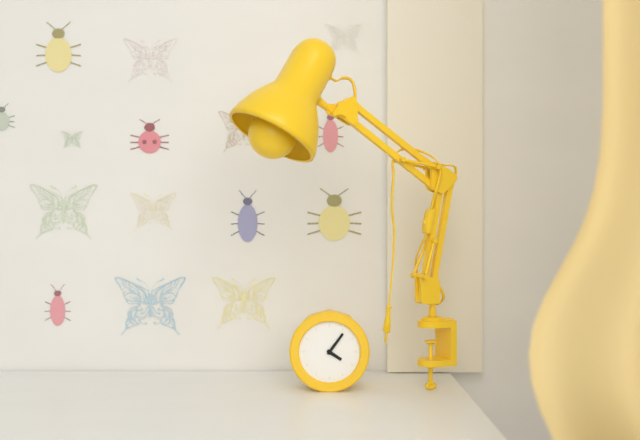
4.06
